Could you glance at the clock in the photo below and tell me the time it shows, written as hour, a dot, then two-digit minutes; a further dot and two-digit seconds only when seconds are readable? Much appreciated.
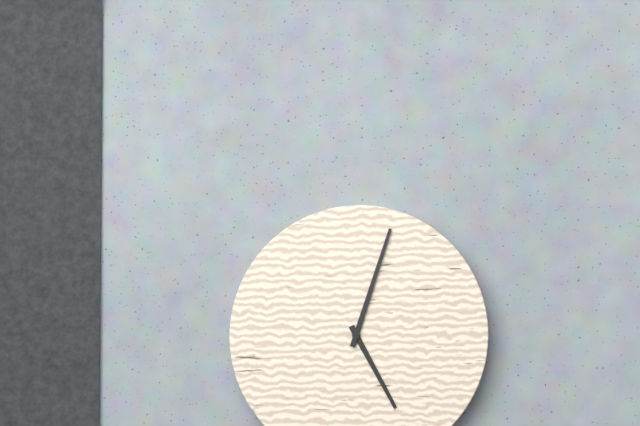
5.03
